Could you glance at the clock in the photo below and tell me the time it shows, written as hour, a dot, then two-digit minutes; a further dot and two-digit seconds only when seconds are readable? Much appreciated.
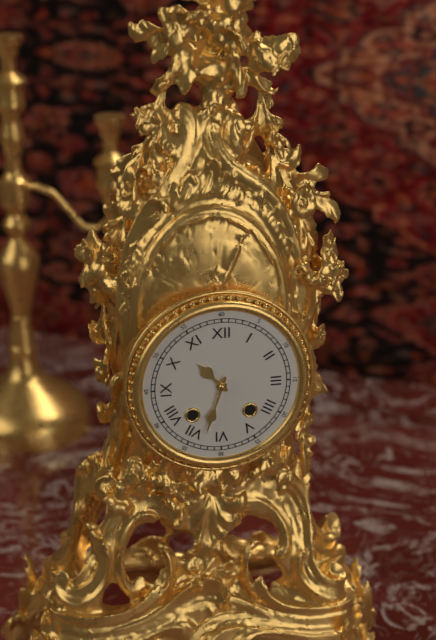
10.33
